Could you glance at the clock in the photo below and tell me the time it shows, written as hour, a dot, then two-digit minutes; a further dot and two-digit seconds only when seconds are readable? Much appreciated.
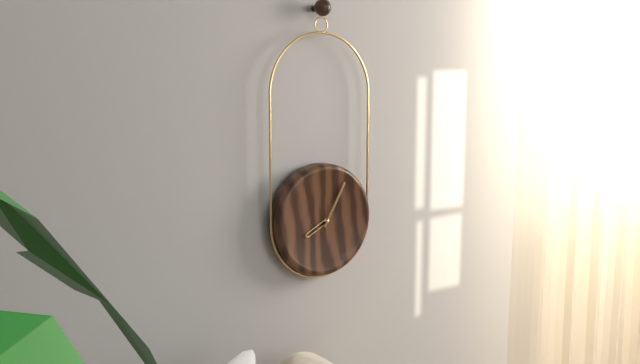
8.05
